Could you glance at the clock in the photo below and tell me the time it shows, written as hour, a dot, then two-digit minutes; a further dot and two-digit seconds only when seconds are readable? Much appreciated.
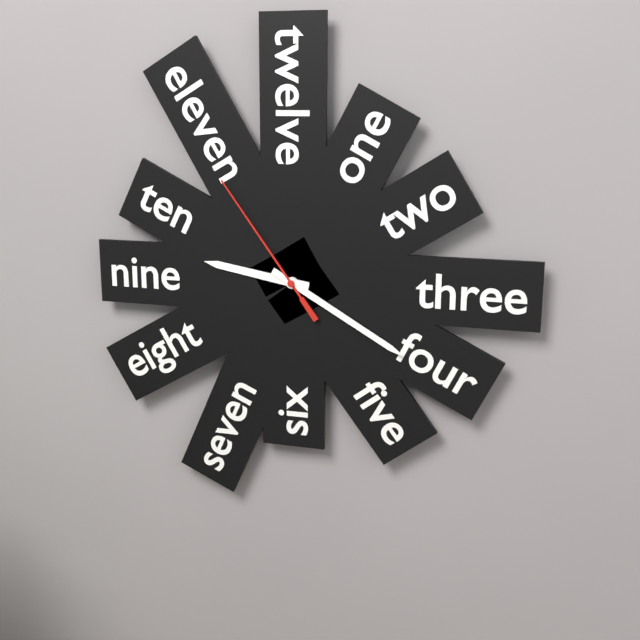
9.20.54
